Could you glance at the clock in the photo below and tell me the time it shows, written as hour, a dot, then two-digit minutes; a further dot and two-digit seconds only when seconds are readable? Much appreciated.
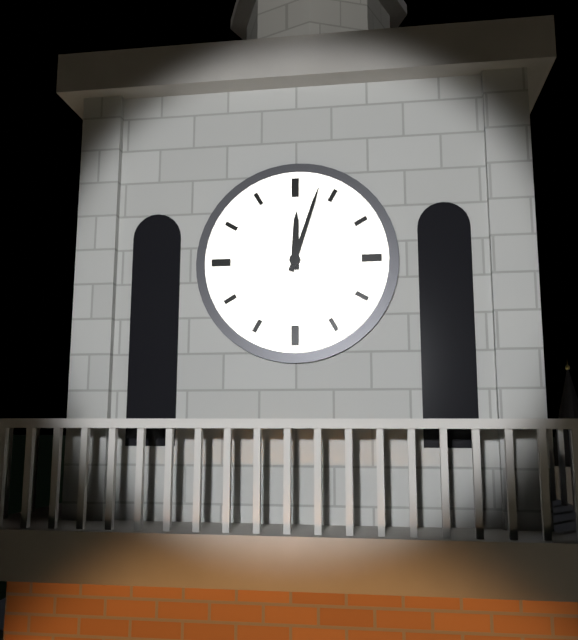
12.03
